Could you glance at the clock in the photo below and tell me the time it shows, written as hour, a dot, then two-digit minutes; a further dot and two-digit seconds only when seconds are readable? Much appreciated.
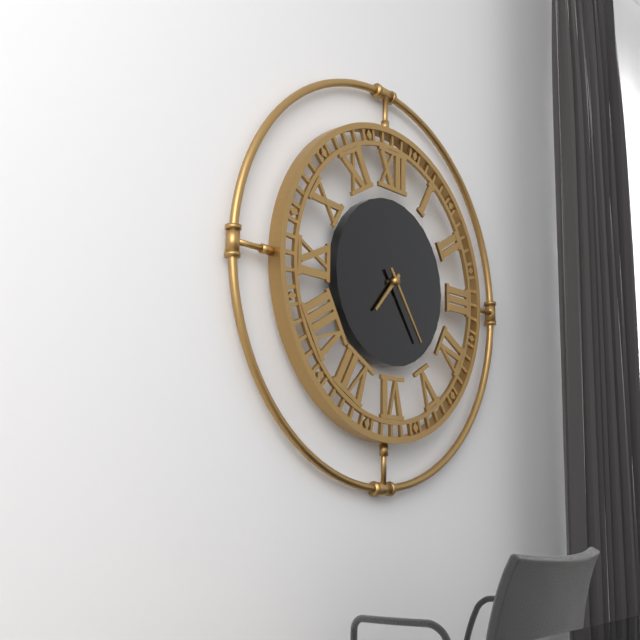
7.24
